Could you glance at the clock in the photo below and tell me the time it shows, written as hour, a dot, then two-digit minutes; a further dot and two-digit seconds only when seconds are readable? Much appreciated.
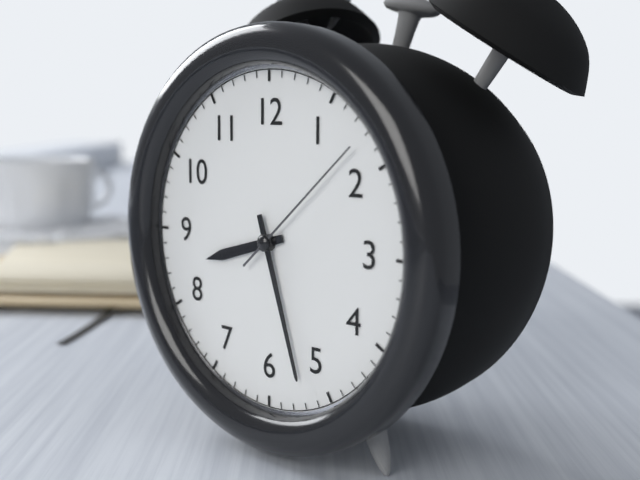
8.27.08
